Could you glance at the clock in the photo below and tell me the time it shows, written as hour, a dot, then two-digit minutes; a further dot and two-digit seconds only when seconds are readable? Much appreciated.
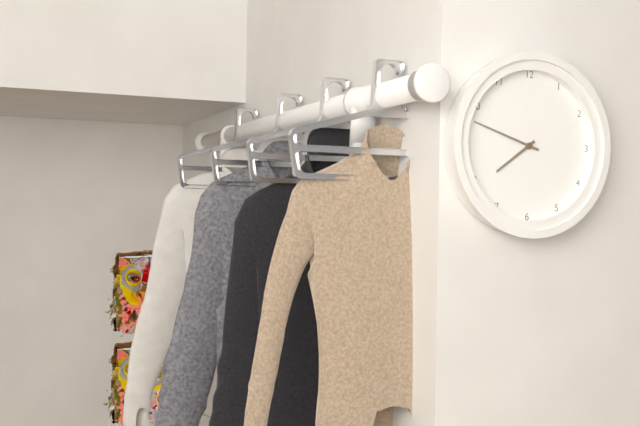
7.48
